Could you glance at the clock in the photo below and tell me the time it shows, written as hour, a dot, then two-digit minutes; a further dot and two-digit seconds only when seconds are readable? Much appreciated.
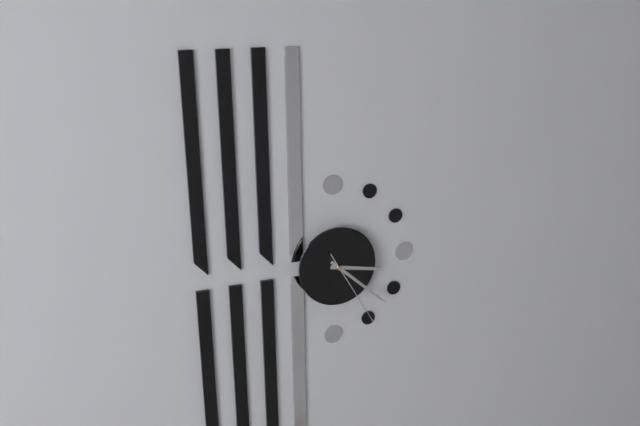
3.22.25
